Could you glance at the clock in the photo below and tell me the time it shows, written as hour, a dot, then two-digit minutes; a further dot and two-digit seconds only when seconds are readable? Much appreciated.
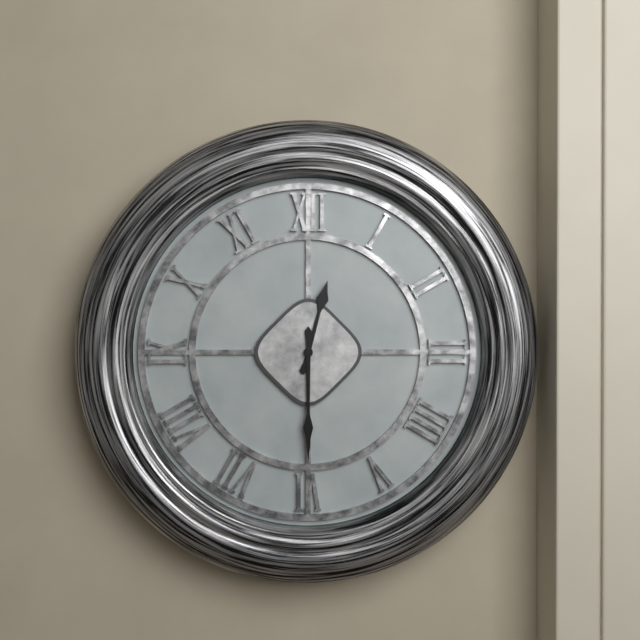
12.30
